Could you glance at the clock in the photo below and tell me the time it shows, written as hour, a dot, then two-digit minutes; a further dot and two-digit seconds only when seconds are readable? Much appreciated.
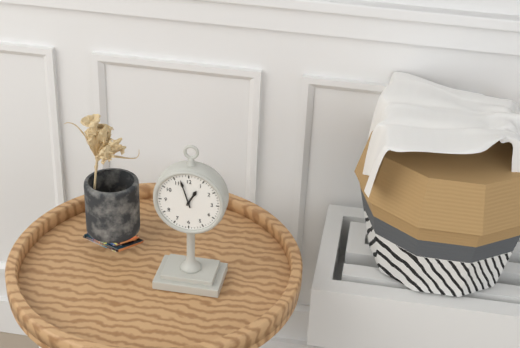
12.57
